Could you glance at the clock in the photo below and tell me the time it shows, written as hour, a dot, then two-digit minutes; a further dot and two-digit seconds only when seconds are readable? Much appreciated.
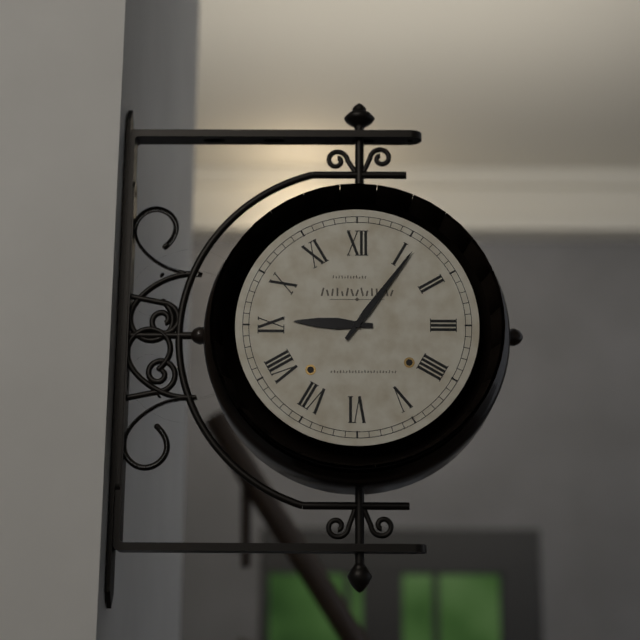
9.06
